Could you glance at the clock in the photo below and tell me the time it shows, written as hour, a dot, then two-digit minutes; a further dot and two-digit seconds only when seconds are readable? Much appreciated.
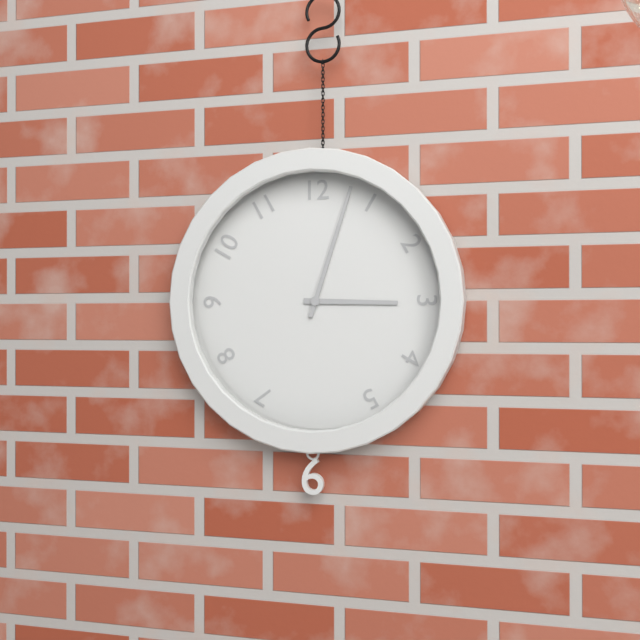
3.03
